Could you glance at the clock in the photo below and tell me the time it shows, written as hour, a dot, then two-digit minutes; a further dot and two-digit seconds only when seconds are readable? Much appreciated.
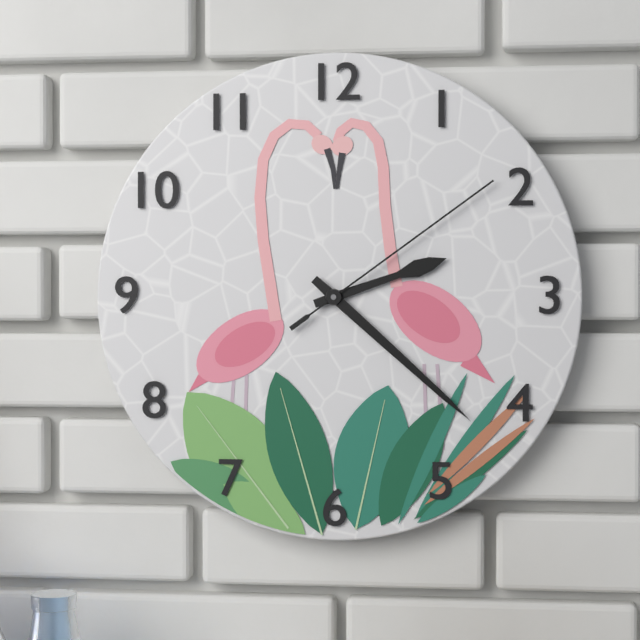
2.22.09
